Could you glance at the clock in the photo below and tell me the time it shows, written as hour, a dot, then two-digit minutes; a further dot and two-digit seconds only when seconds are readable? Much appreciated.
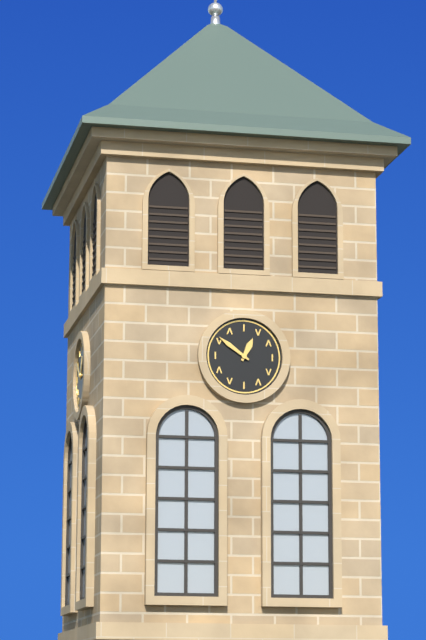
12.51
